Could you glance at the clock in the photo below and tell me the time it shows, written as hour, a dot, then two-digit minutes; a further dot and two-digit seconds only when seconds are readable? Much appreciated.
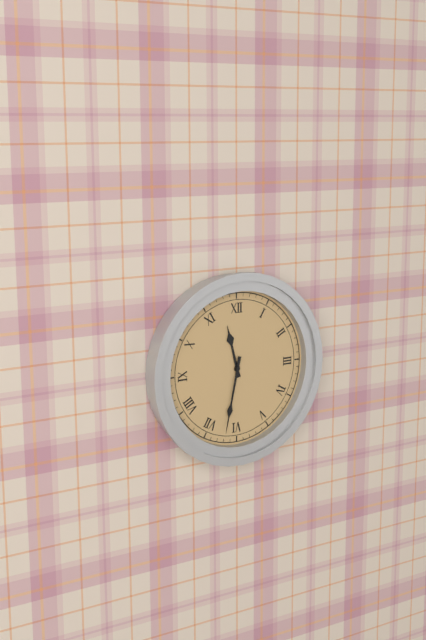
11.32
